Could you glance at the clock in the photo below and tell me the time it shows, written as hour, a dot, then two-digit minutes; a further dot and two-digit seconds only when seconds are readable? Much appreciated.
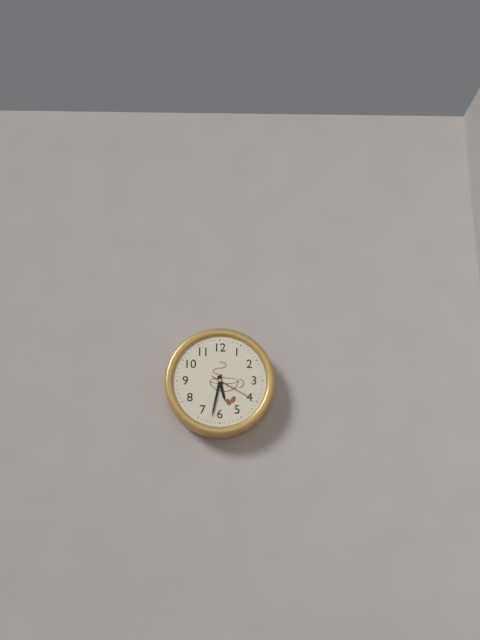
5.32
